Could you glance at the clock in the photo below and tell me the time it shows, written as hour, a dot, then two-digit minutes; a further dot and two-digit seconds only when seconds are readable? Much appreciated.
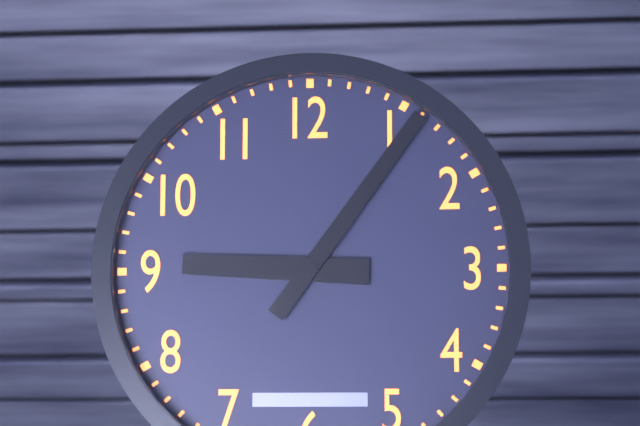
9.06
